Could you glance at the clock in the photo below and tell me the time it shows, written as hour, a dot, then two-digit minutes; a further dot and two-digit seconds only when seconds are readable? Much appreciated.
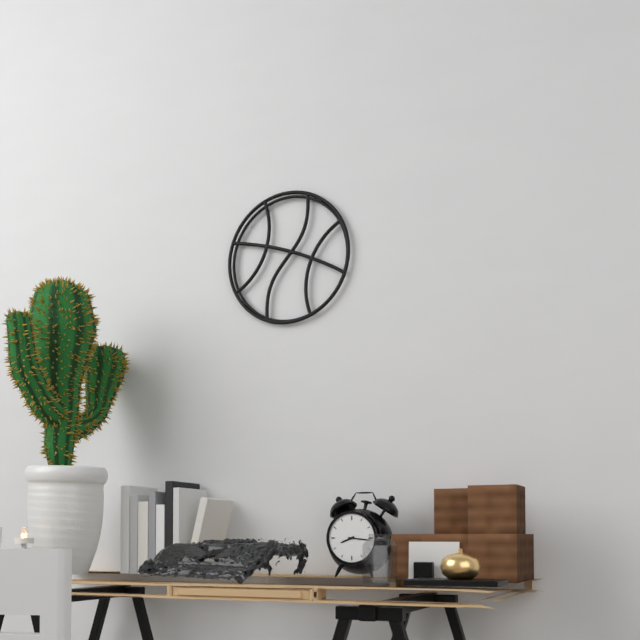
8.16
